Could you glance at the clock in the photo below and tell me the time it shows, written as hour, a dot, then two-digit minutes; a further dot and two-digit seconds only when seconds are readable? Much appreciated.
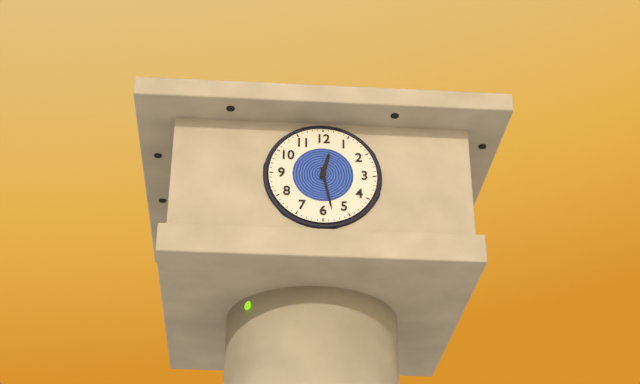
12.28
